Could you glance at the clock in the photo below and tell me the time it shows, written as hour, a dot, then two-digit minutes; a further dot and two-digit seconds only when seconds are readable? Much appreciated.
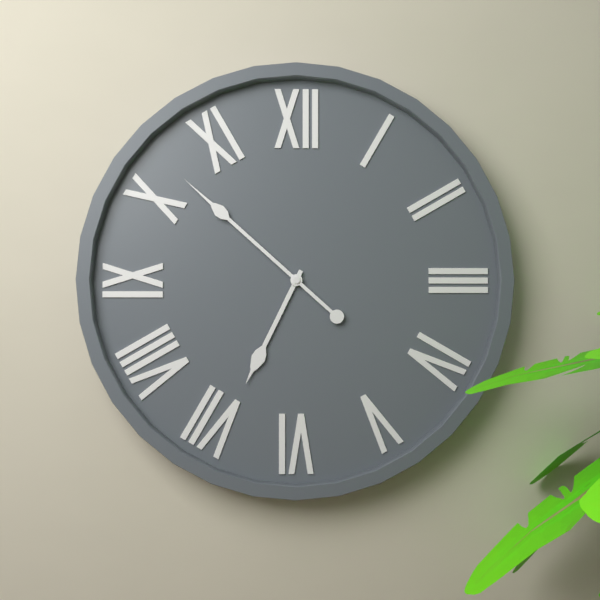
6.52
